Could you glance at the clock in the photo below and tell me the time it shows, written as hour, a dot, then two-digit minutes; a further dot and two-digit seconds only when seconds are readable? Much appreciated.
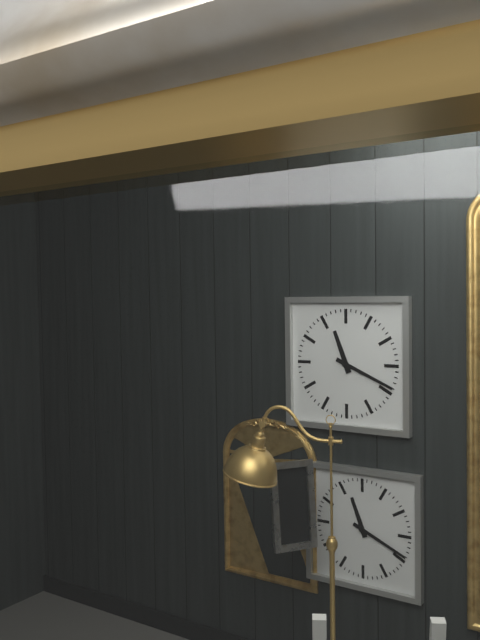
11.19
